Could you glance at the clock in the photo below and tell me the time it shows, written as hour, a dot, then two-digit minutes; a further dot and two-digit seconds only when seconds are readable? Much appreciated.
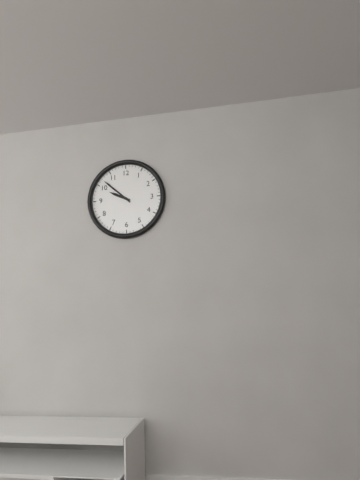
9.52
